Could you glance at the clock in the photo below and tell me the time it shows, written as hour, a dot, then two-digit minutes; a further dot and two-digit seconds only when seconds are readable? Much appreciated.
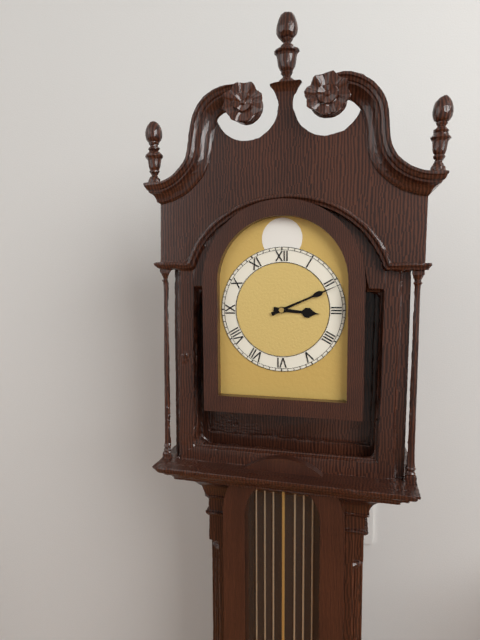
3.11
